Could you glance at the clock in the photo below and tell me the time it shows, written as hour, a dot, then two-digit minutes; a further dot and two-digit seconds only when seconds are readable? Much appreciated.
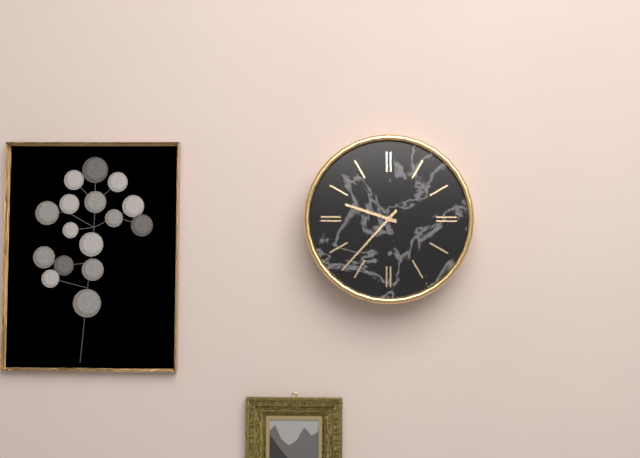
9.37
